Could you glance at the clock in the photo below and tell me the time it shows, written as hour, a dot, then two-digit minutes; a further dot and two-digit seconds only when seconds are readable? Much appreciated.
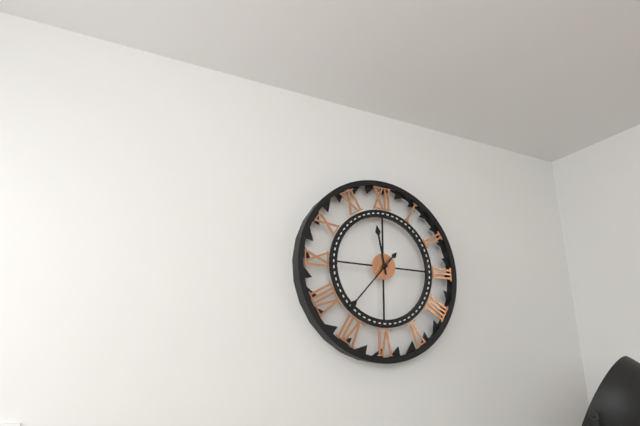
11.37
